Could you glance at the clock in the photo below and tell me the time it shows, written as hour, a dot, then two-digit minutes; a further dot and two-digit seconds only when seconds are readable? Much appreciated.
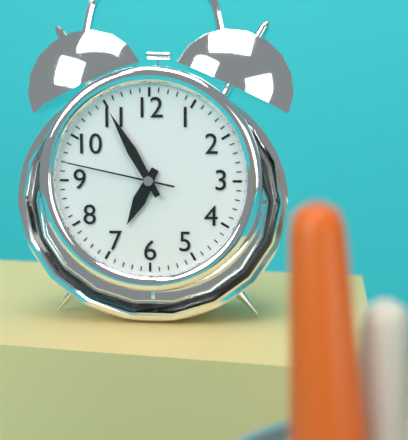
6.55.47
